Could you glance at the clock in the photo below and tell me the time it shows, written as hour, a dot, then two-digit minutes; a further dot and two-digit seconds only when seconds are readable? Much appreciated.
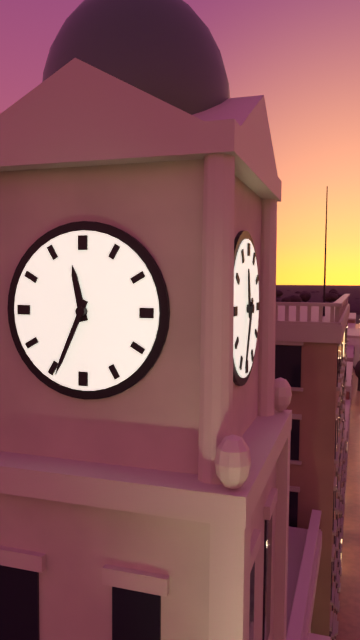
11.34
